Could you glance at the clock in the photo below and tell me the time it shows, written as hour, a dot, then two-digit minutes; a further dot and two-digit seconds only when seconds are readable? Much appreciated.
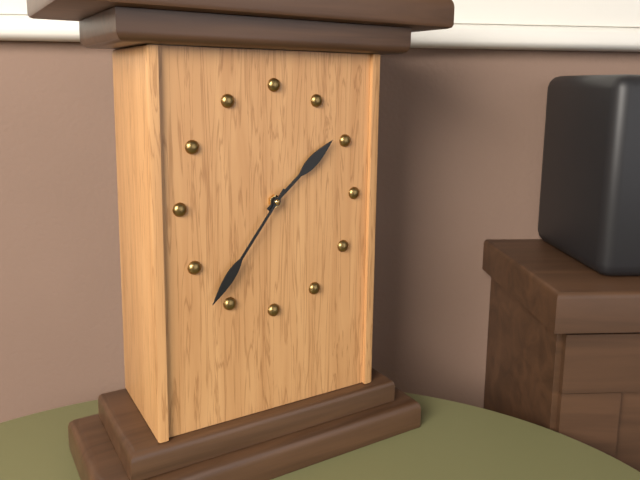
1.36
